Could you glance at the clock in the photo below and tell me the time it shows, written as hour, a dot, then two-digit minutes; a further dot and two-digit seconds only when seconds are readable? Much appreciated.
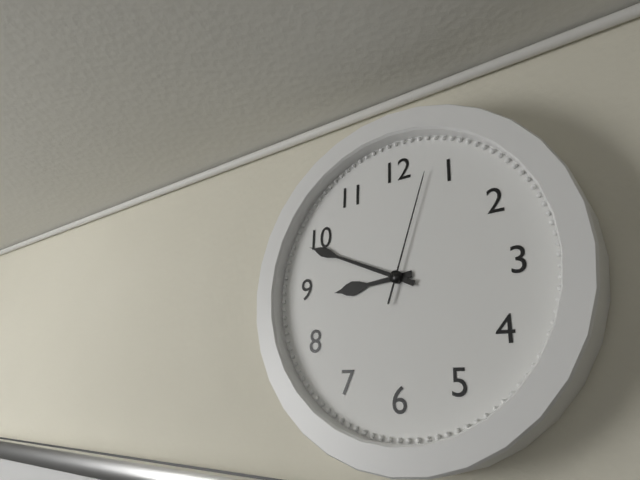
8.49.03
